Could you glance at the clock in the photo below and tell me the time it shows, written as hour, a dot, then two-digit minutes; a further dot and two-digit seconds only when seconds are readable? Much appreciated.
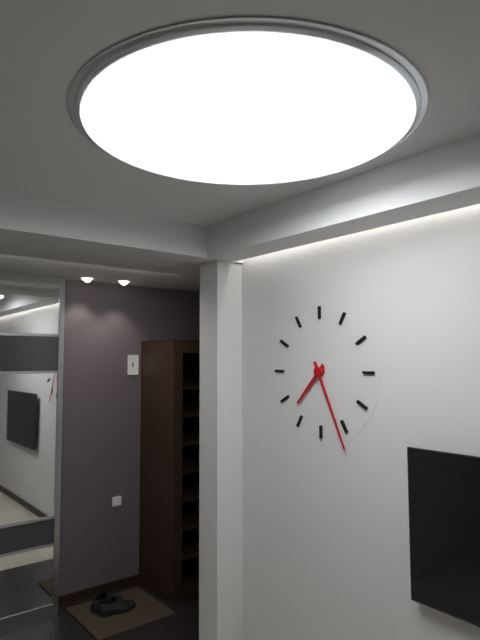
7.26
